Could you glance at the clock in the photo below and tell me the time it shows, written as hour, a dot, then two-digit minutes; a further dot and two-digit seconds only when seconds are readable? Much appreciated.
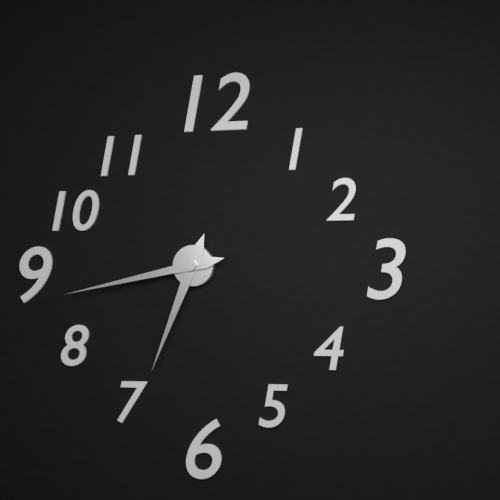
6.43
